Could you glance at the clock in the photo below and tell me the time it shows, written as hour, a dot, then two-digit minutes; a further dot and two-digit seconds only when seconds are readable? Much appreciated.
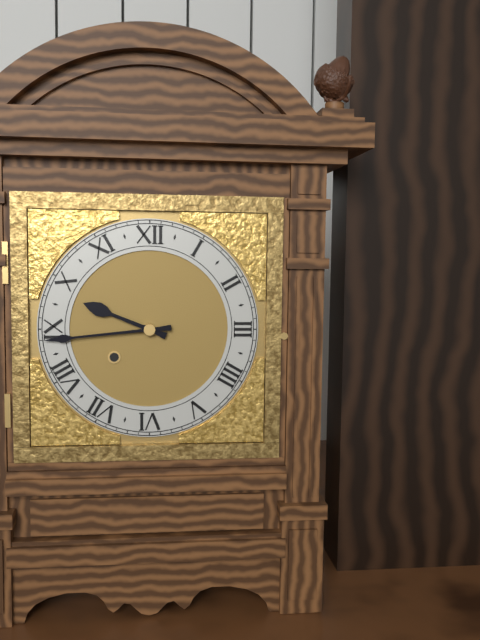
9.44
